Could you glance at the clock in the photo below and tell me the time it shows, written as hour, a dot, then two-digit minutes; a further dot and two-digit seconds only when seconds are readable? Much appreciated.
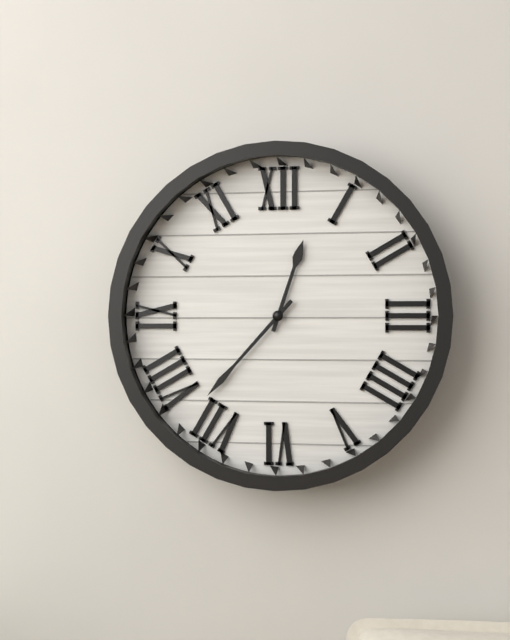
12.37
